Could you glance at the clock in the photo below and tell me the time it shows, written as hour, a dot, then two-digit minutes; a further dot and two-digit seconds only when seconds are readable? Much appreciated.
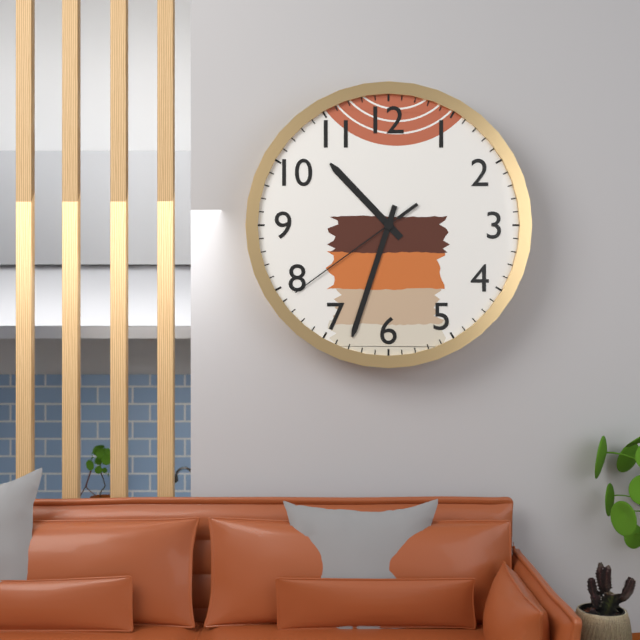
10.33.39
